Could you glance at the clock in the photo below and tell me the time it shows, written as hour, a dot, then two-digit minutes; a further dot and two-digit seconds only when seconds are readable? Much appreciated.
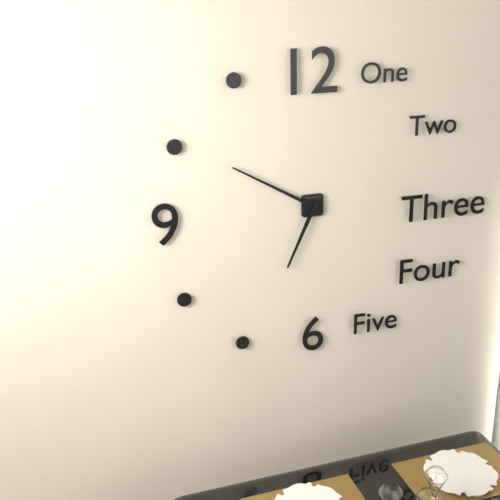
6.50
